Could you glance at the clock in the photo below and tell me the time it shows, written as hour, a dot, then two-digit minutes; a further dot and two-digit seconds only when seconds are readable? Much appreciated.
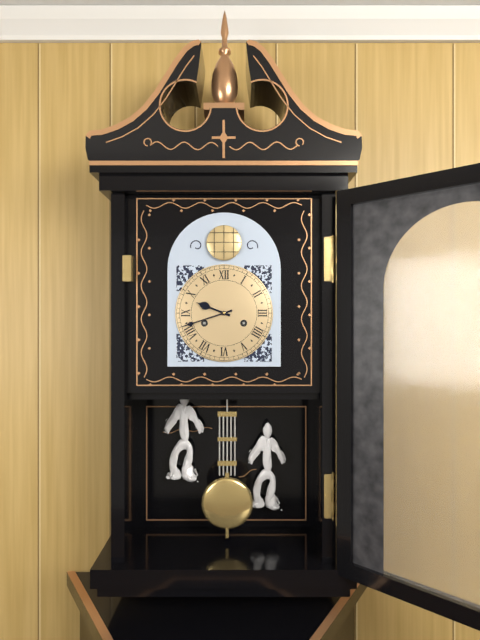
9.42
